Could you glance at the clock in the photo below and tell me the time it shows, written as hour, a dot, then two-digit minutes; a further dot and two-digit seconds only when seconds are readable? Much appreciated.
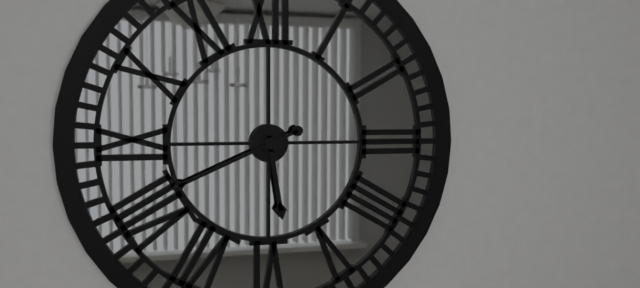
5.41
